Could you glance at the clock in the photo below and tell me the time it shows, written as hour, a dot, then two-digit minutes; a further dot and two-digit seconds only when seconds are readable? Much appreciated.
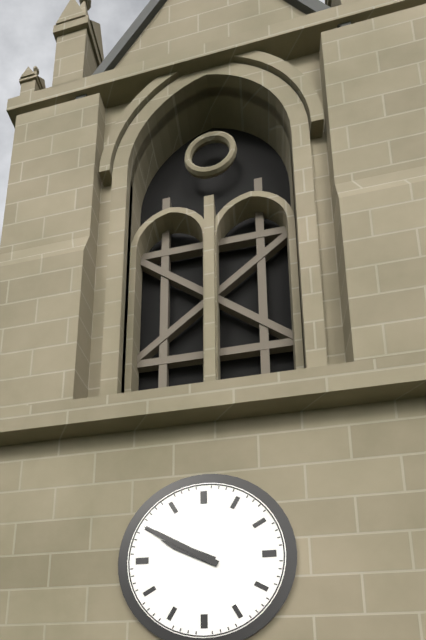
9.50
